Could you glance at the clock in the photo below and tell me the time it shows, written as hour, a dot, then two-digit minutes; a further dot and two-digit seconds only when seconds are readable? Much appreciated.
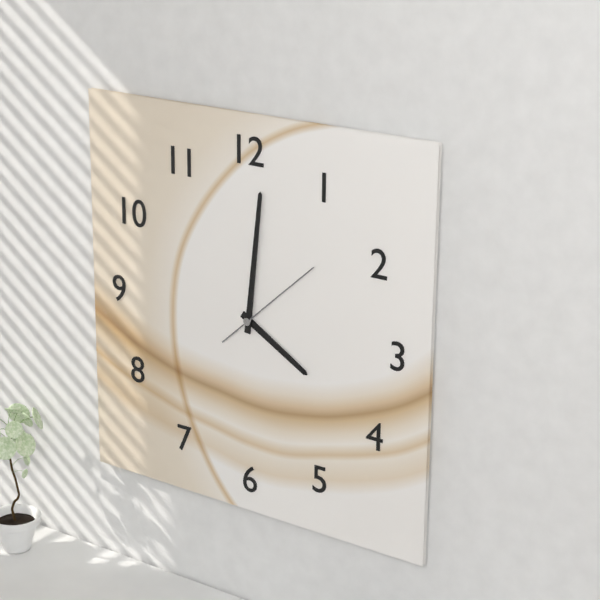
4.01.08
